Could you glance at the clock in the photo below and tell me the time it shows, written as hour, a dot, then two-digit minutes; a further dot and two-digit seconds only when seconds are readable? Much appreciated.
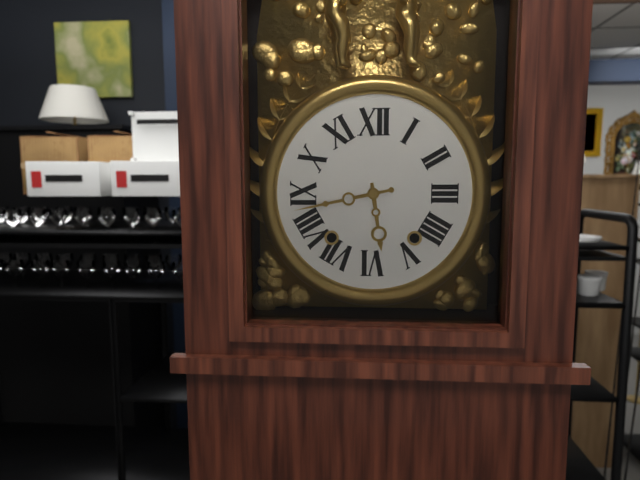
5.43
